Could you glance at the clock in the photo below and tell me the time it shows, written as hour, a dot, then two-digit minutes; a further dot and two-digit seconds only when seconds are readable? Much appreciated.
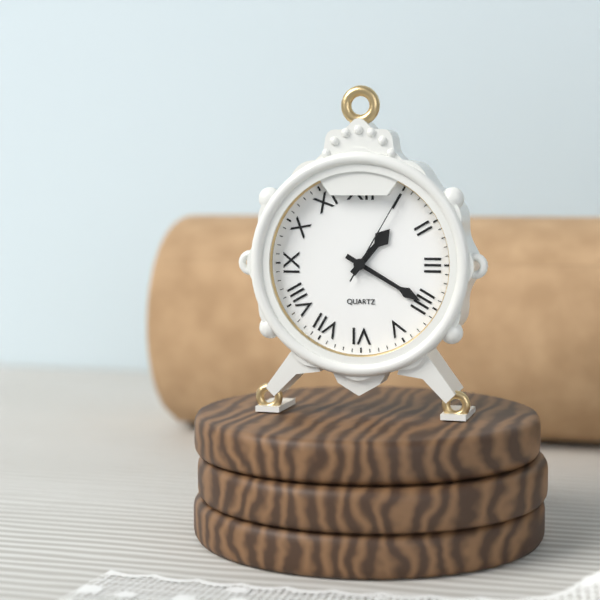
1.20.05
